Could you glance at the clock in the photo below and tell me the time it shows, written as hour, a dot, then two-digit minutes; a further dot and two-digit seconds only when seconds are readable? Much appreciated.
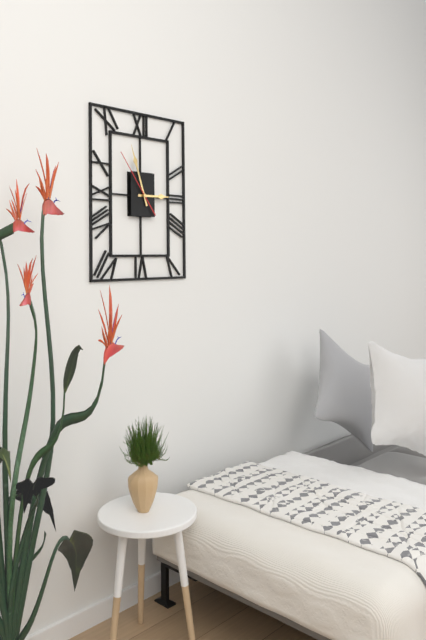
2.57.54
